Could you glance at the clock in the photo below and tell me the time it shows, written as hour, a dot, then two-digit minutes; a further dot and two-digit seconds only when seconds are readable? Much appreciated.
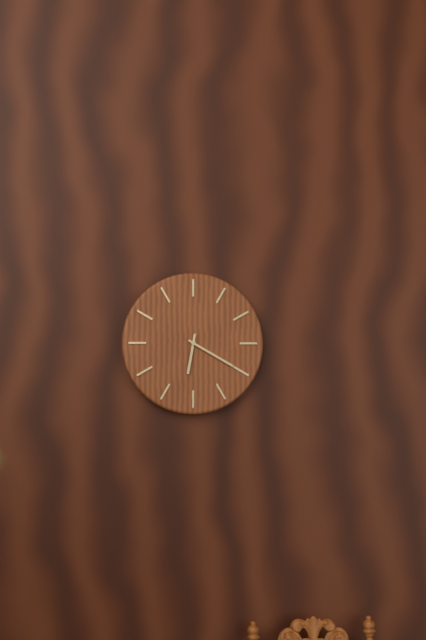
6.20
